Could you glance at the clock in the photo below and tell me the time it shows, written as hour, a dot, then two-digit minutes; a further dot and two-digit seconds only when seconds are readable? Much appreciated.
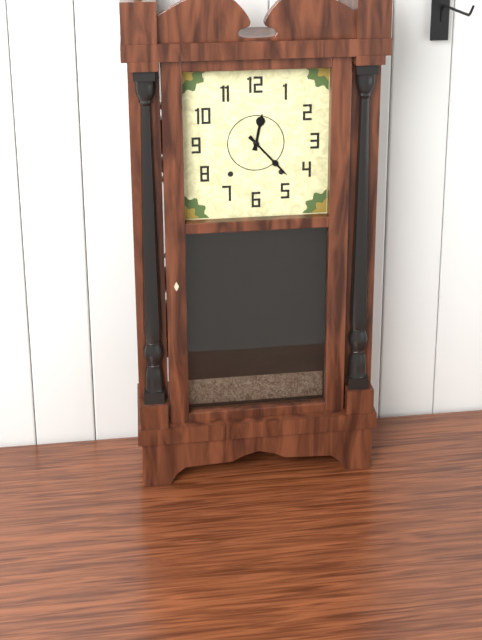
12.23
